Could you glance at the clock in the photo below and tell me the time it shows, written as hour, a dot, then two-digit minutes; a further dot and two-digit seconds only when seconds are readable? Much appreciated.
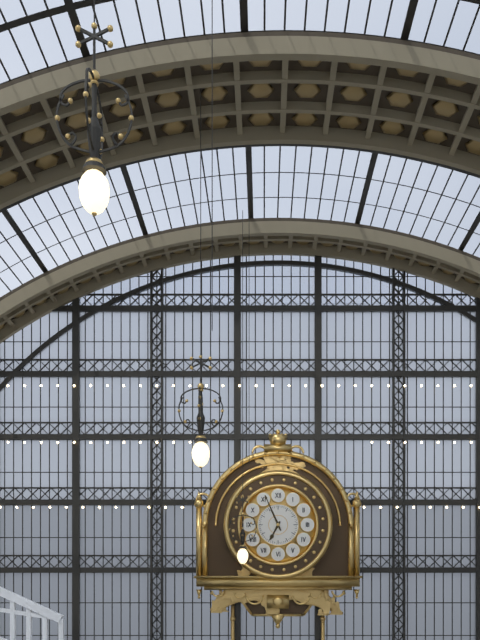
6.56
